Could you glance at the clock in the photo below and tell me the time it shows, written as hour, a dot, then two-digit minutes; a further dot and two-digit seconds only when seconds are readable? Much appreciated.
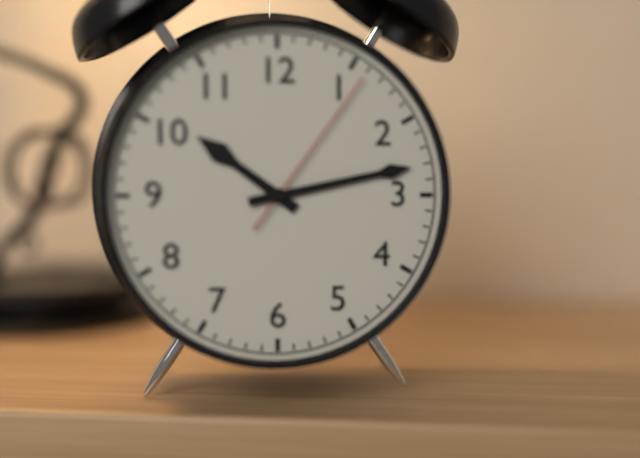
10.13.06
